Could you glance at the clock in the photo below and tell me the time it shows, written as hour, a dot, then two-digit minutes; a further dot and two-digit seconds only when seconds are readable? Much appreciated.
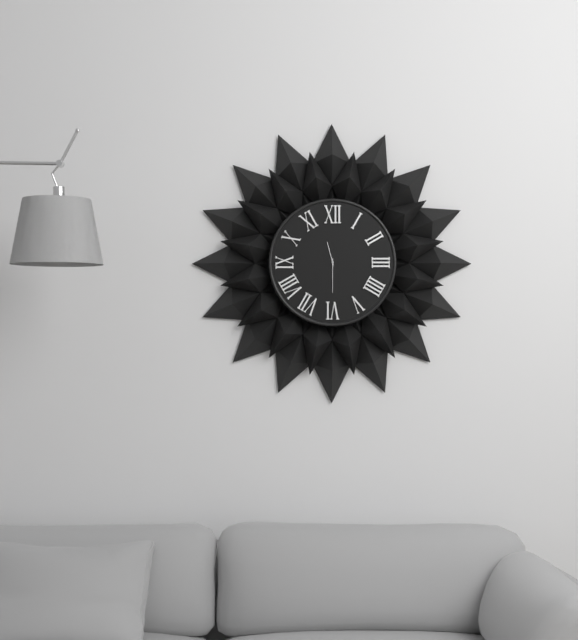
11.30
